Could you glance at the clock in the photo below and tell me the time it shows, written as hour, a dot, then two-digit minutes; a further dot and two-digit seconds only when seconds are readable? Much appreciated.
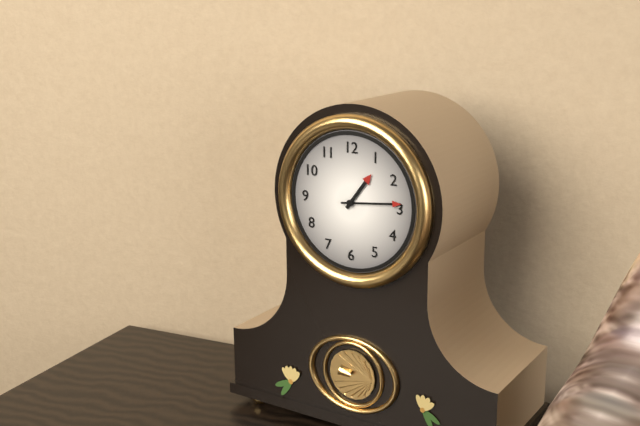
1.14
